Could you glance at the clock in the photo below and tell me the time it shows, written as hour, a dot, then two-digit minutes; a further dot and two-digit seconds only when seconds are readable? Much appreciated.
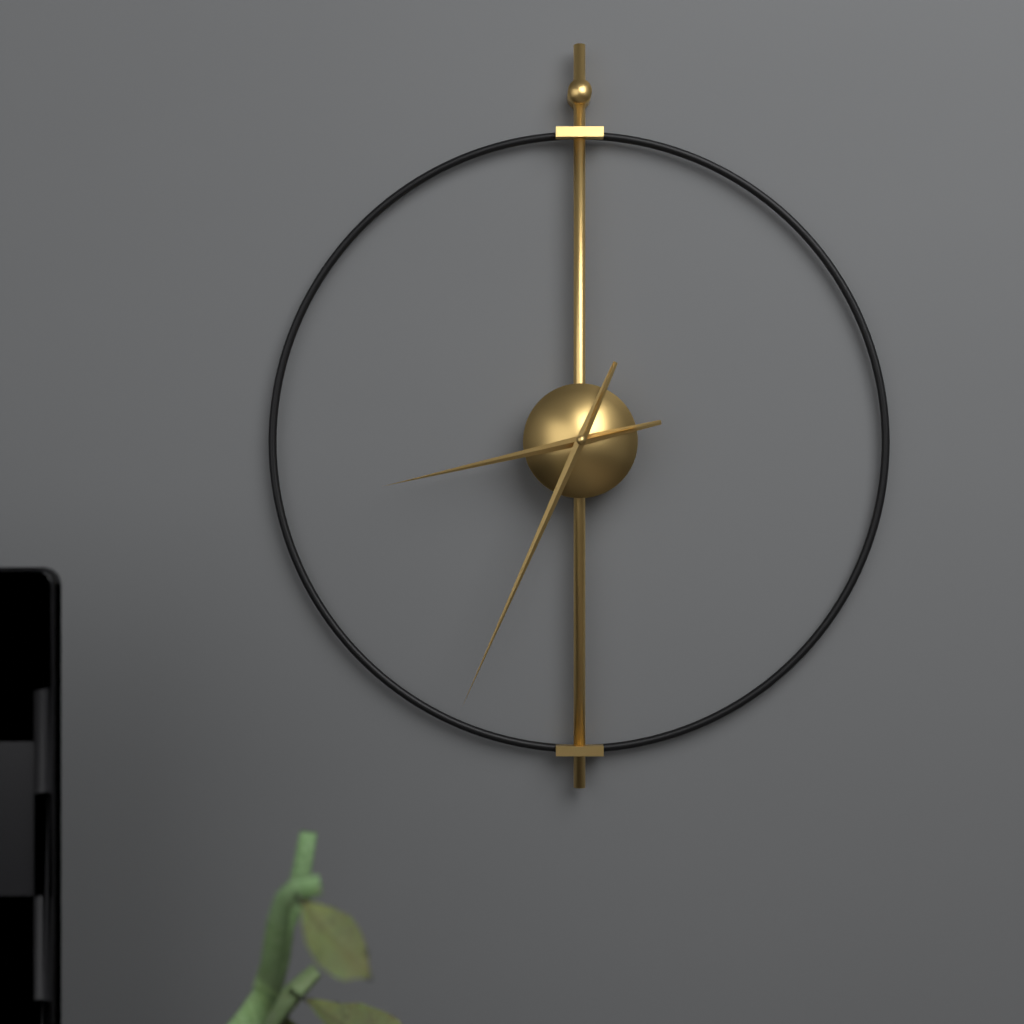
8.34
